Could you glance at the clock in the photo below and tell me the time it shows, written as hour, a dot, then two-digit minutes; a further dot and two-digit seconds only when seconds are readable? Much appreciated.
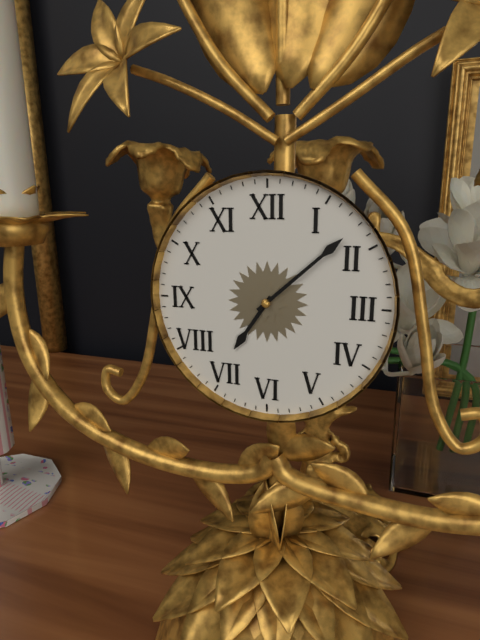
7.08
